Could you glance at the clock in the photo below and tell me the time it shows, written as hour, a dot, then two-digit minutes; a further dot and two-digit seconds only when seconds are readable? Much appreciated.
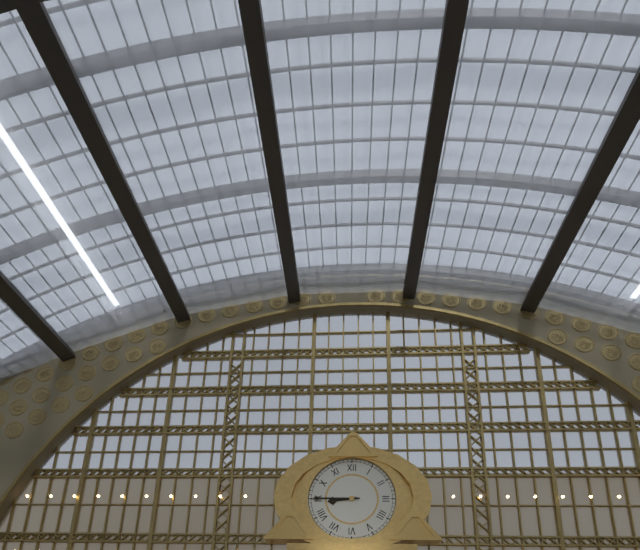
8.45
